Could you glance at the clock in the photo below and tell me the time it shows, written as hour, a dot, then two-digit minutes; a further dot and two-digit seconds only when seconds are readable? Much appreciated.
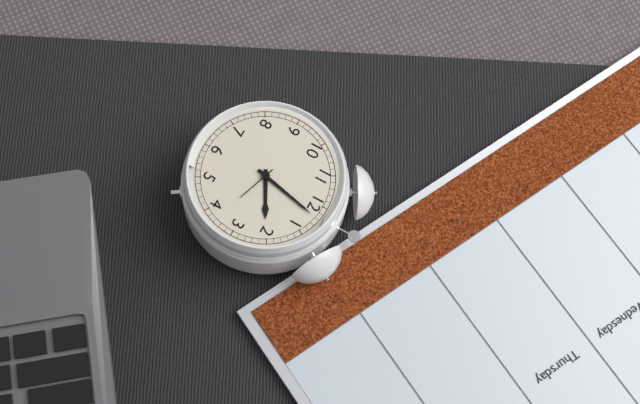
2.02
